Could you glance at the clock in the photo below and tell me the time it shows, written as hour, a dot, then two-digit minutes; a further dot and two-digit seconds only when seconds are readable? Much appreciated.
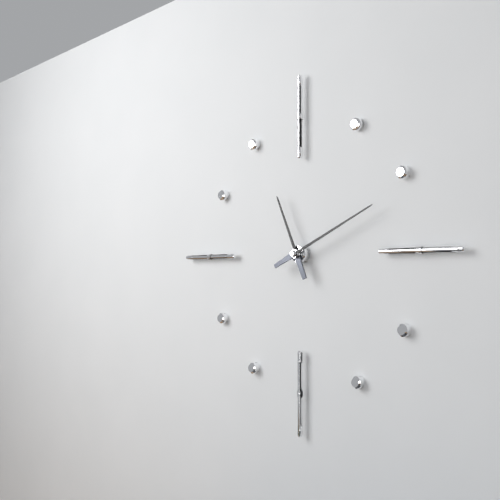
11.11
